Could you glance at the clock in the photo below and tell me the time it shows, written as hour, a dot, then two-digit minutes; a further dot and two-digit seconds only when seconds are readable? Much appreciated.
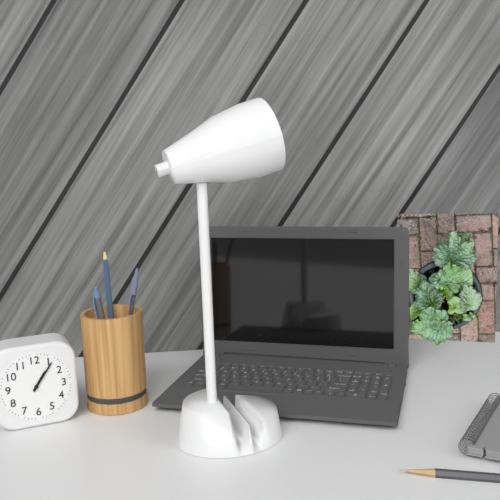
1.06
